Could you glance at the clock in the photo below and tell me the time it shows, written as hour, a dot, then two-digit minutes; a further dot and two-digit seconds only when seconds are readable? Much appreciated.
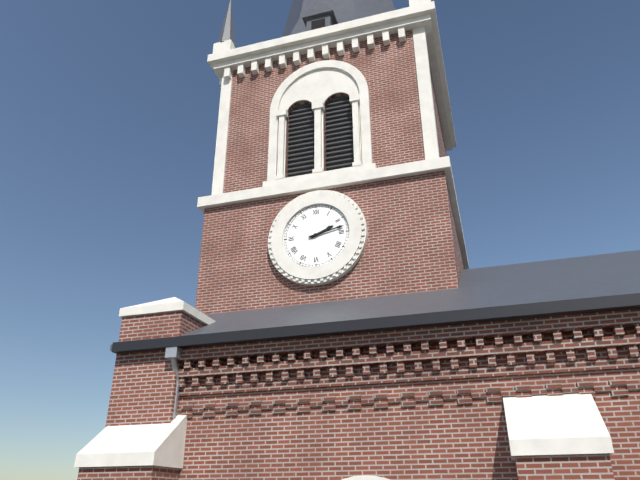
2.13
